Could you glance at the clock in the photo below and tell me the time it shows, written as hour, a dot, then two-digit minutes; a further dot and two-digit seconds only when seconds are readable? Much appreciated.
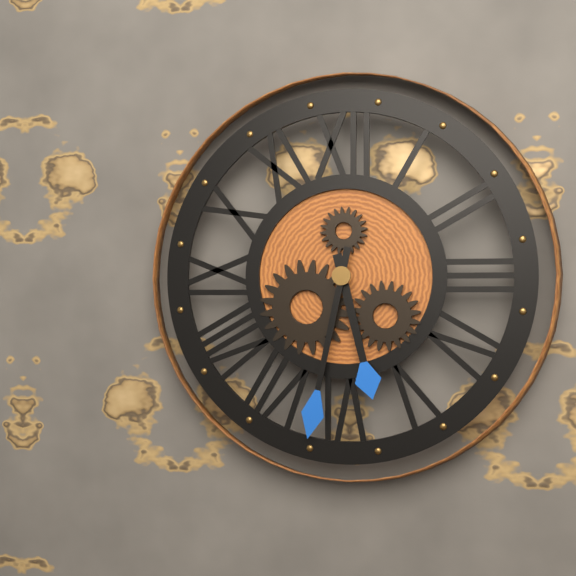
5.32
